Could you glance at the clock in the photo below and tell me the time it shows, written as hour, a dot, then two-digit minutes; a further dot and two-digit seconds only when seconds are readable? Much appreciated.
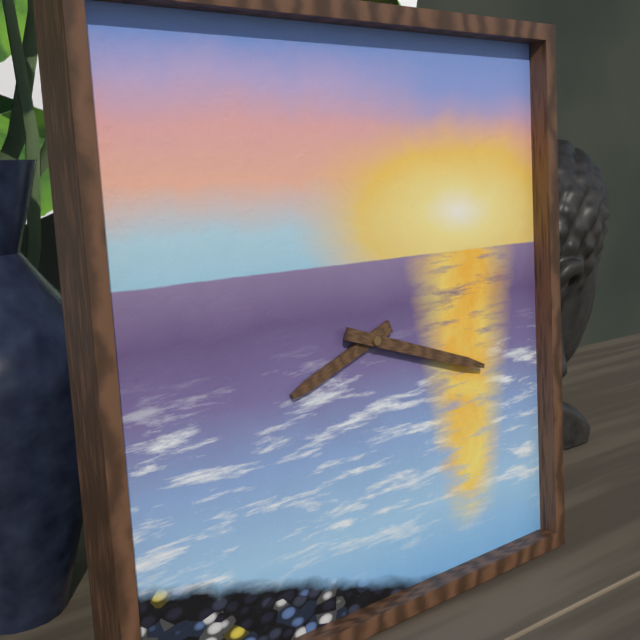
8.18
